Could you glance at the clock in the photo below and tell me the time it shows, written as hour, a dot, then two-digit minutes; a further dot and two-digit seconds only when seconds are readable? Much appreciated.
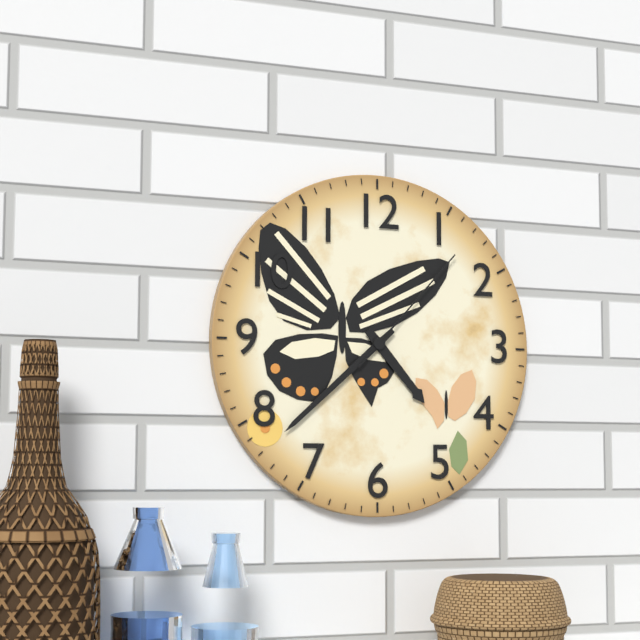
4.38.07
